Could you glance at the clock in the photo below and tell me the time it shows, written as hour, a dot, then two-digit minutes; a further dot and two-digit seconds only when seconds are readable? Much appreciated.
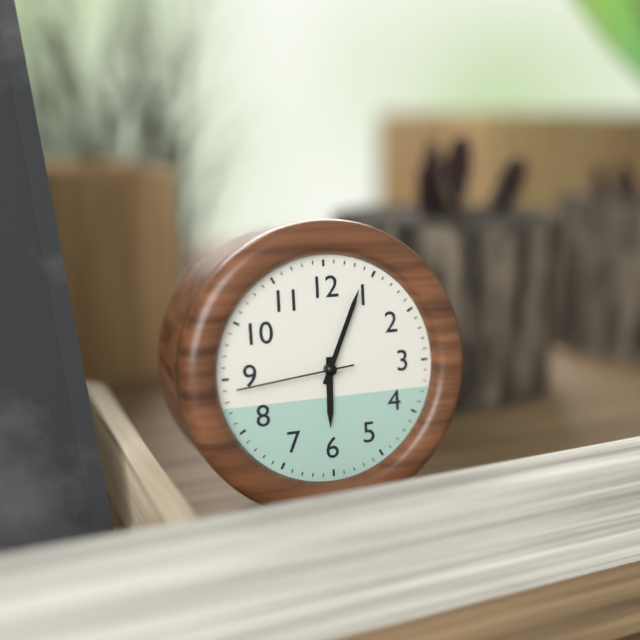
6.04.44
